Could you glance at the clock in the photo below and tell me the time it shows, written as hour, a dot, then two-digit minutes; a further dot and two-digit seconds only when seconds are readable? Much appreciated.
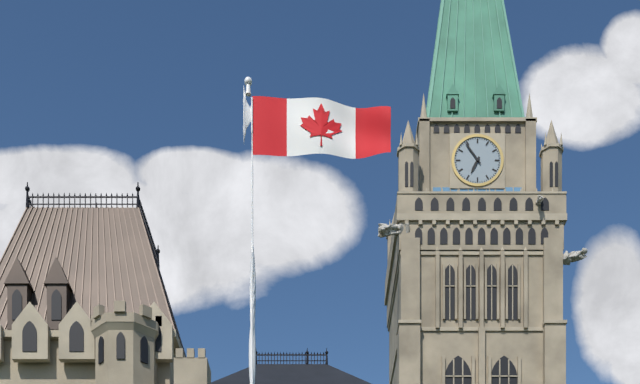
6.54
